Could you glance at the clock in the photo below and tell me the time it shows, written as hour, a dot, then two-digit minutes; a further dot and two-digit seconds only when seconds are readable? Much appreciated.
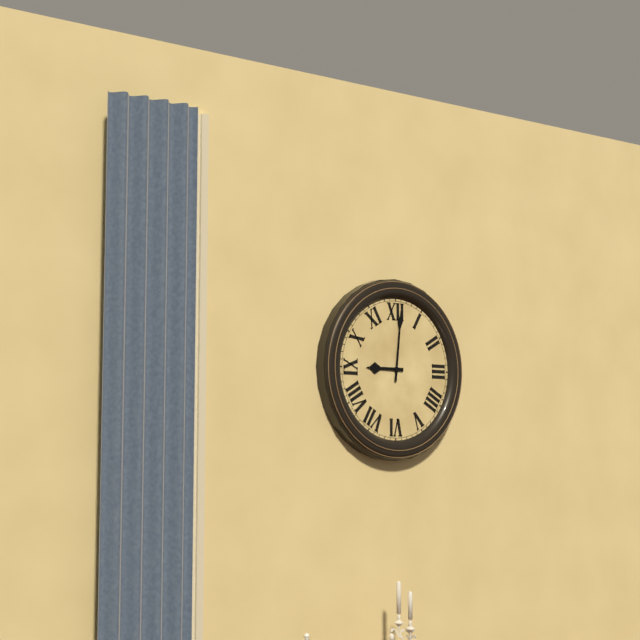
9.01
